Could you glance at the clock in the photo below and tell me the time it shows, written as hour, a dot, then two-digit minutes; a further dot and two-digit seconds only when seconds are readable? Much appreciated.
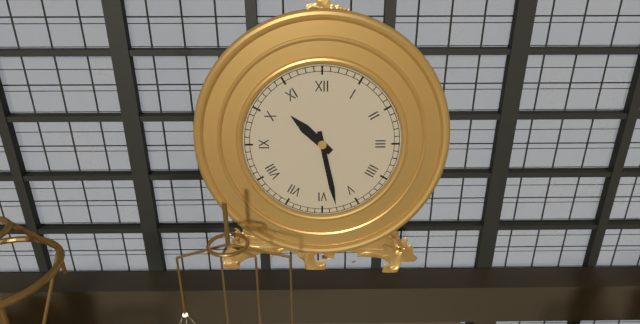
10.28
